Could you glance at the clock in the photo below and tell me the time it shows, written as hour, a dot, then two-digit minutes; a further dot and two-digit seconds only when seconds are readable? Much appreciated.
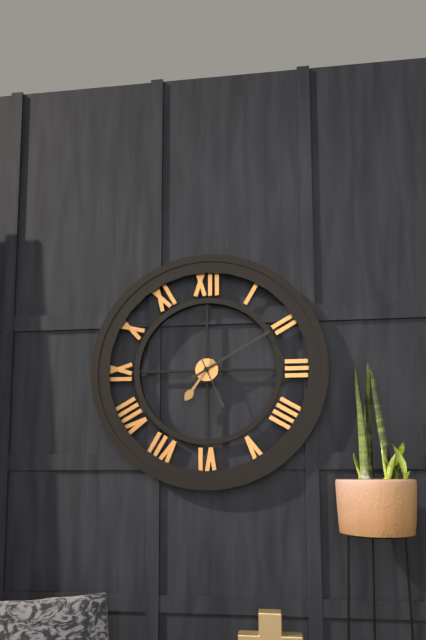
7.10.26
